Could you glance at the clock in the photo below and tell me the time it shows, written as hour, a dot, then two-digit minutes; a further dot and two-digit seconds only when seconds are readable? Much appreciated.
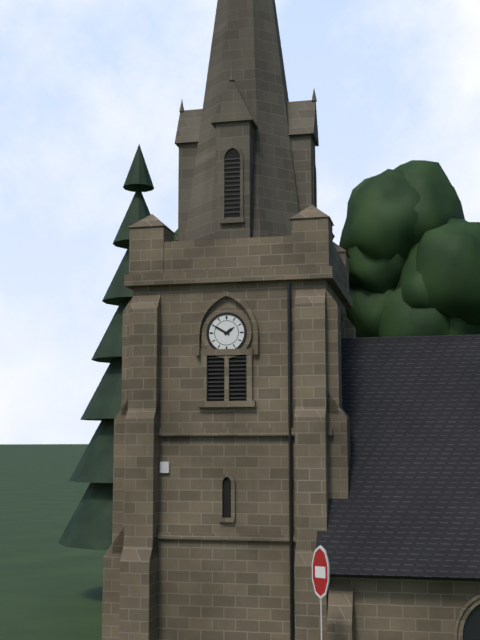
1.50
